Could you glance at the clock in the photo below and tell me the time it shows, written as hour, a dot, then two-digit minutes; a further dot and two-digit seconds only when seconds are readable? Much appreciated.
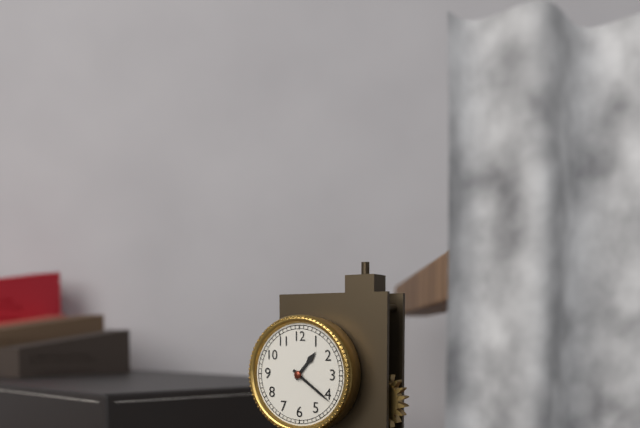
1.21
